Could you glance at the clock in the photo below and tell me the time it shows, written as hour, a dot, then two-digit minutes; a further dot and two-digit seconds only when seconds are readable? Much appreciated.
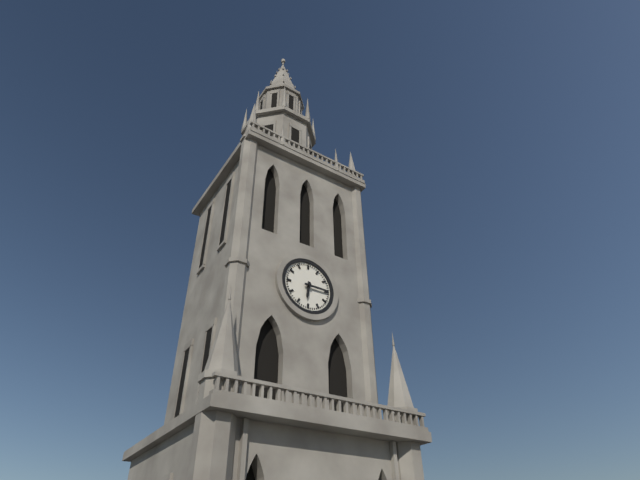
6.15
